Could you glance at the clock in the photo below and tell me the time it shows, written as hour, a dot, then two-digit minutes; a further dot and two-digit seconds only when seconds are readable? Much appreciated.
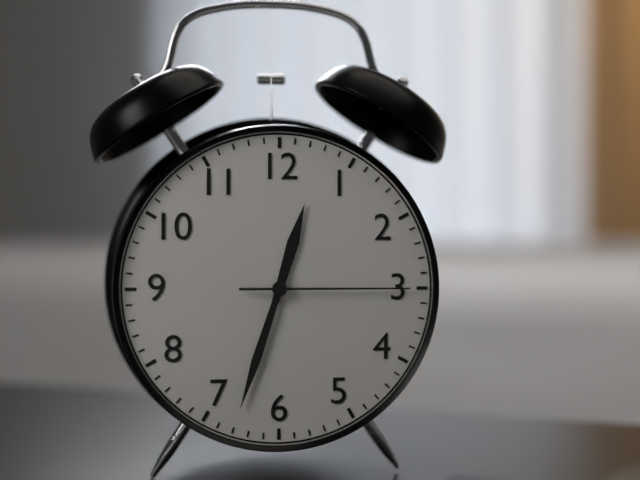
12.33.15
